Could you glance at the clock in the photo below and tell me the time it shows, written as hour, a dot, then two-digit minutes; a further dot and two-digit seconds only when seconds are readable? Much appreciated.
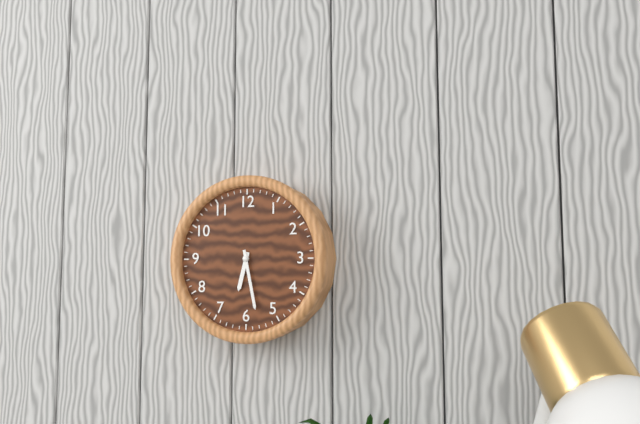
6.28
